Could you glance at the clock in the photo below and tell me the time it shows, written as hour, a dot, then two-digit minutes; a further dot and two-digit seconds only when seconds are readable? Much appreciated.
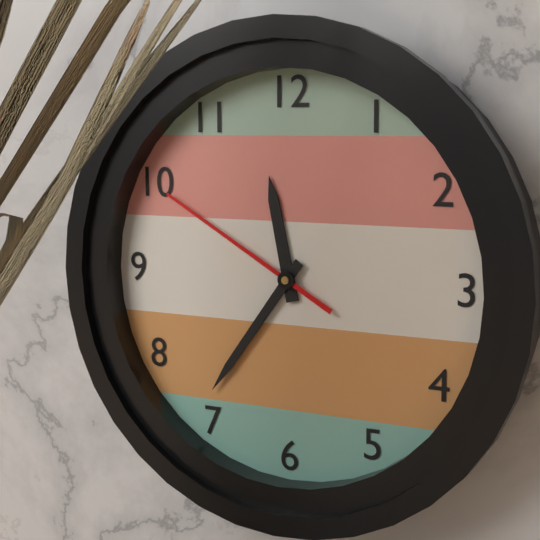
11.36.50
